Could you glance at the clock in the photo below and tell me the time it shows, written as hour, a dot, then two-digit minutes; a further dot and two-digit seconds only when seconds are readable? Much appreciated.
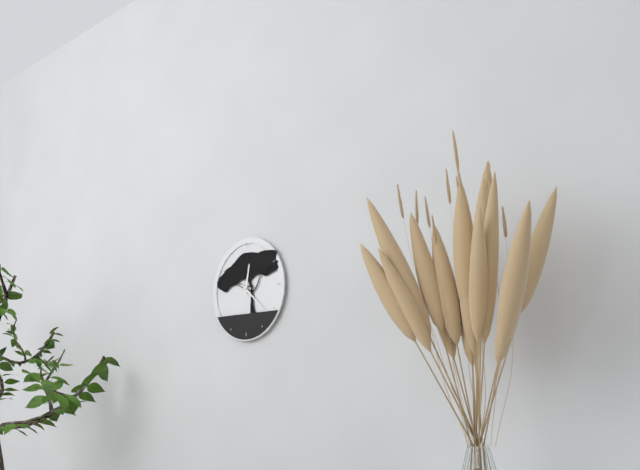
12.22
